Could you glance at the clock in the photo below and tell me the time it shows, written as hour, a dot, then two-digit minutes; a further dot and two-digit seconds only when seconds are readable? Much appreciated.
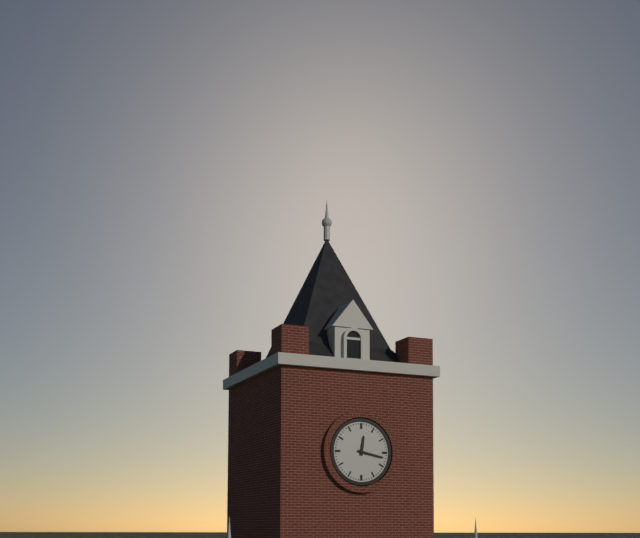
12.17
